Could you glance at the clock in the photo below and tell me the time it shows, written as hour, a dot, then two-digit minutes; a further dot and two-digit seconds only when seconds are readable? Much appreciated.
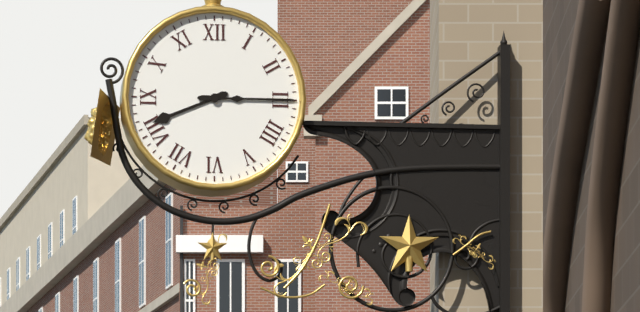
8.15
